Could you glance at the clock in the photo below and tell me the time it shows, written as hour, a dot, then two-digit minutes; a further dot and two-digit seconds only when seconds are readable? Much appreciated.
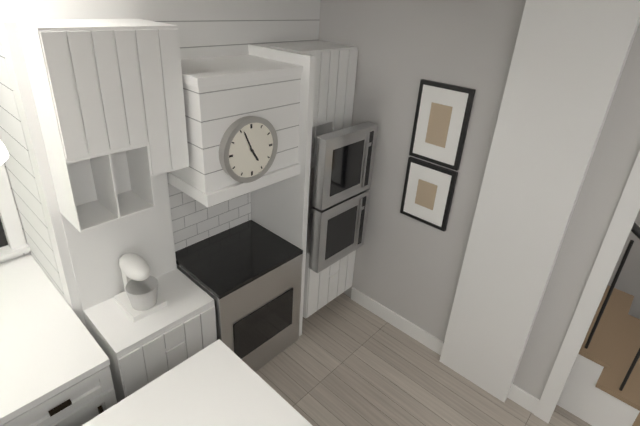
4.56
